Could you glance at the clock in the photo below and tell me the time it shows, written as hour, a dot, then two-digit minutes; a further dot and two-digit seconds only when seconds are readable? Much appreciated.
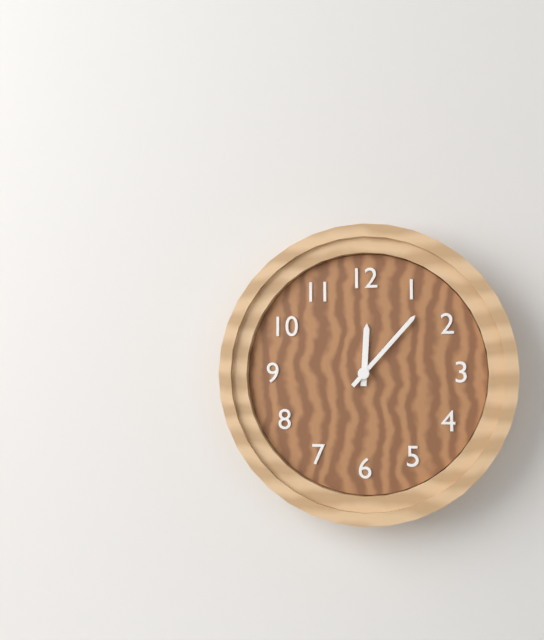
12.07
